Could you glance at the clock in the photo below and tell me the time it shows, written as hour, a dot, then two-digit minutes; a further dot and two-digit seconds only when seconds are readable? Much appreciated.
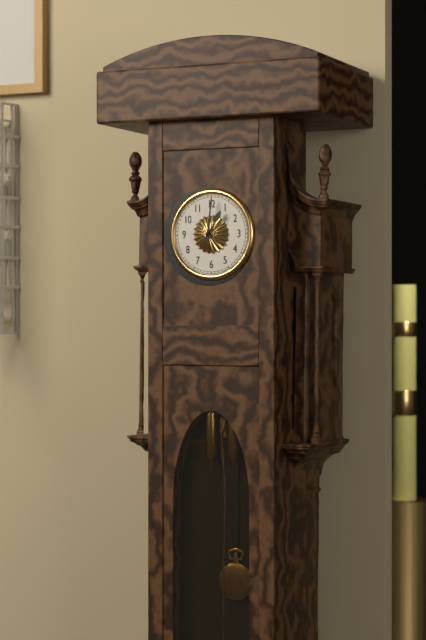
1.01
